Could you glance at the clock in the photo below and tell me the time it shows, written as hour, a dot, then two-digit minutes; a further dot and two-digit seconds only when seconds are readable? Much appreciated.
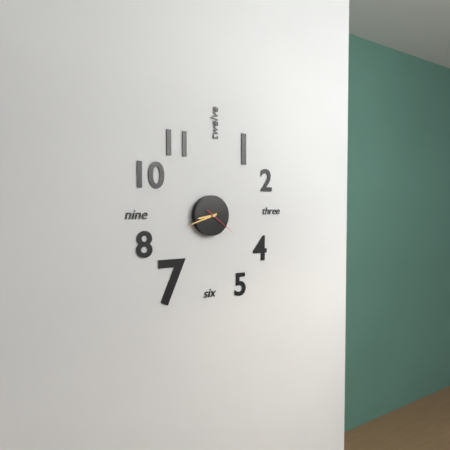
8.42
